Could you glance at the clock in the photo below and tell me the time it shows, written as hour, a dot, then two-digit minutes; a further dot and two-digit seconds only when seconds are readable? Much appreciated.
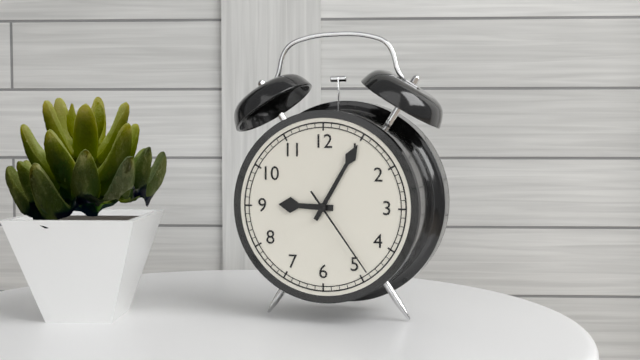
9.05.24
